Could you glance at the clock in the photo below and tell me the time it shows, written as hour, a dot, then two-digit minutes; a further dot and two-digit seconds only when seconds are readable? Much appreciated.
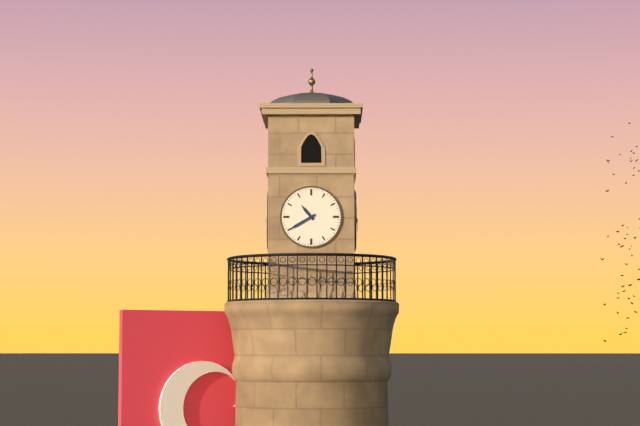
10.40
